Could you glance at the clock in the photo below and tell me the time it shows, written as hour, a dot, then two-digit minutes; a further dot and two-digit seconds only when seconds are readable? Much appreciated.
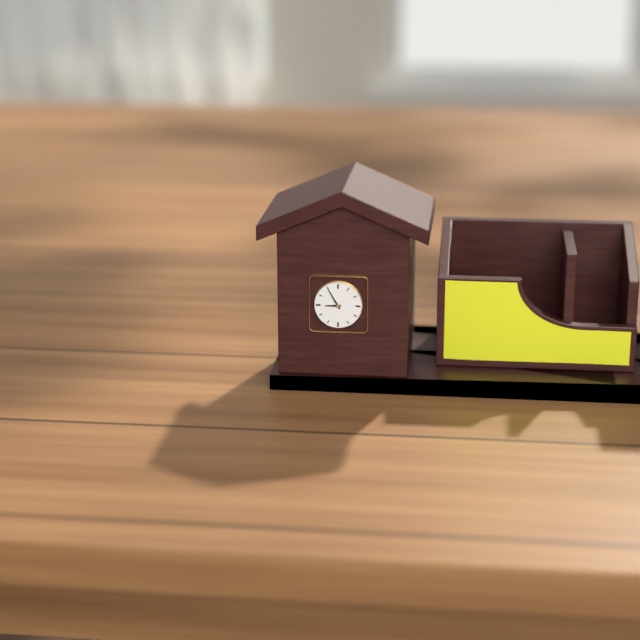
8.55
